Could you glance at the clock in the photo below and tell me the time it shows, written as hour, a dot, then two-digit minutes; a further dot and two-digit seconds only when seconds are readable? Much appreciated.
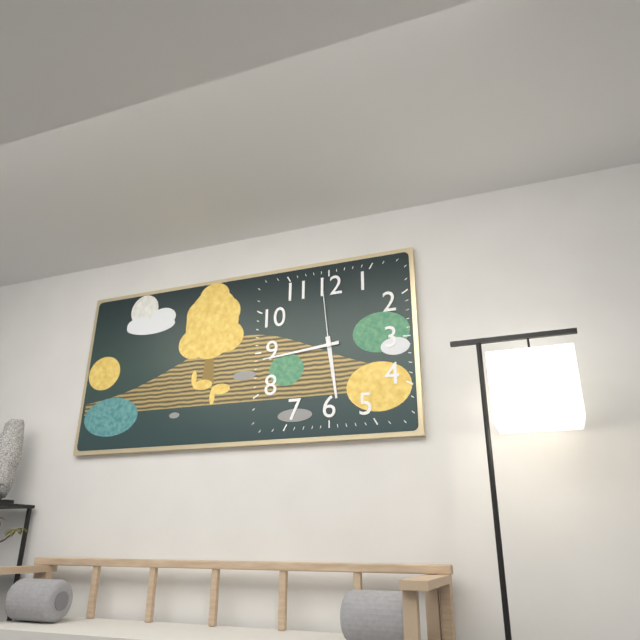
5.44.59
